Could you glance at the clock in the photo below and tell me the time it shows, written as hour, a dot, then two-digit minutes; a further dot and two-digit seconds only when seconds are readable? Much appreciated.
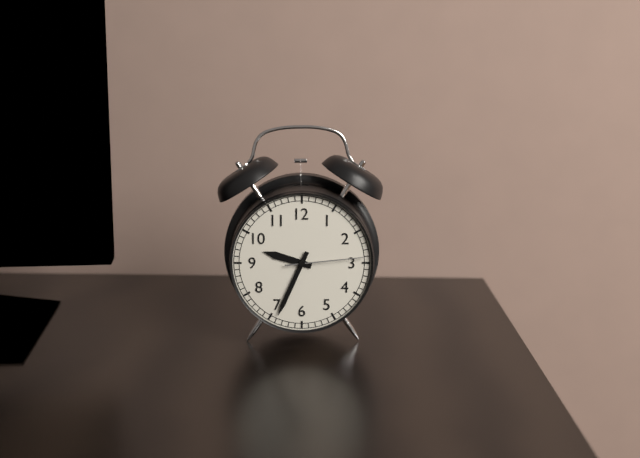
9.34.14
